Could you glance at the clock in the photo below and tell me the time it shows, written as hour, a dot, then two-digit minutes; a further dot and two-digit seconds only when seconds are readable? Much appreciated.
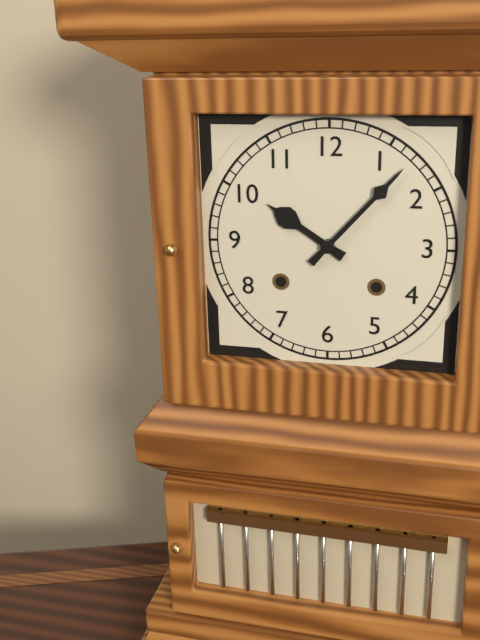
10.07
